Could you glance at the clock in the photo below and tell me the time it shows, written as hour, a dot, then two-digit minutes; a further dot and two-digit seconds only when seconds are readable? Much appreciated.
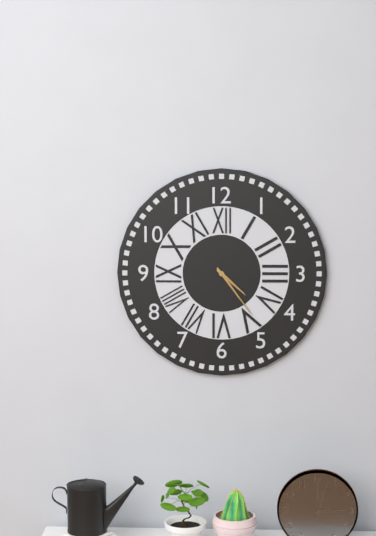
4.24
